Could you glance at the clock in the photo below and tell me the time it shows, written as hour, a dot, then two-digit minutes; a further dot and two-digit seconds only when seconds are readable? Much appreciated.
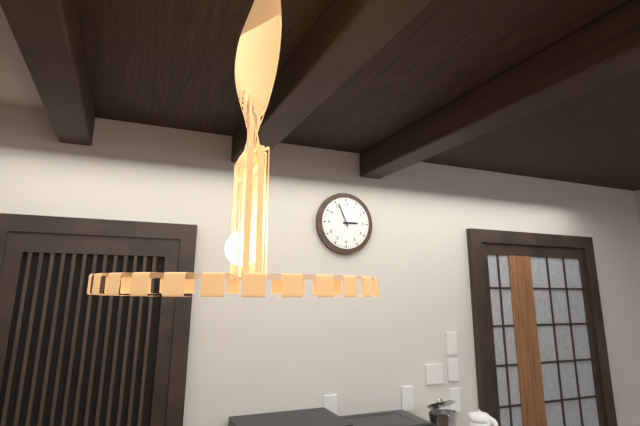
2.56
